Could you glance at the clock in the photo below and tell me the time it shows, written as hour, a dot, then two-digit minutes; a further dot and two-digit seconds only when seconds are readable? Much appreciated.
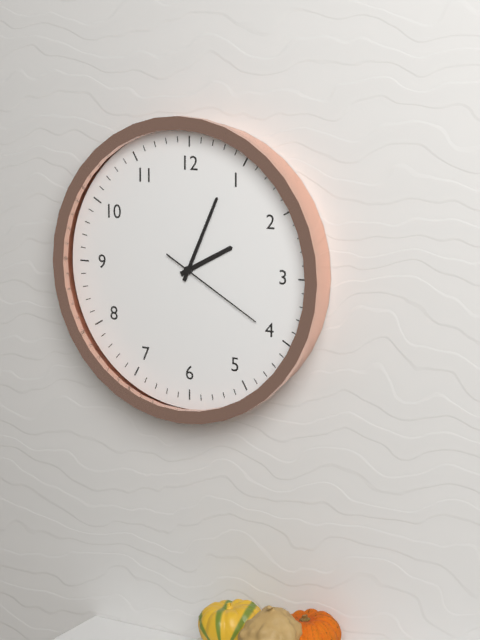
2.04.20
